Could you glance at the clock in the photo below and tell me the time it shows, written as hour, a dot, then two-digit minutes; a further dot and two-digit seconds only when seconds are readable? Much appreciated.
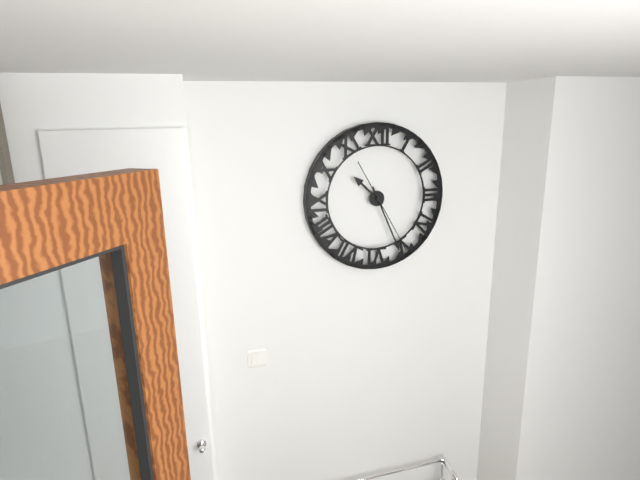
10.26.25
